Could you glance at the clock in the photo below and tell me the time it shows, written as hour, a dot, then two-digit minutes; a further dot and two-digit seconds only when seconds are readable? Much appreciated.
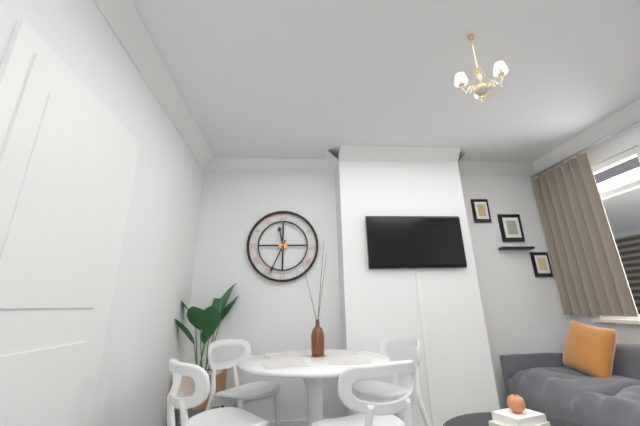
11.34
